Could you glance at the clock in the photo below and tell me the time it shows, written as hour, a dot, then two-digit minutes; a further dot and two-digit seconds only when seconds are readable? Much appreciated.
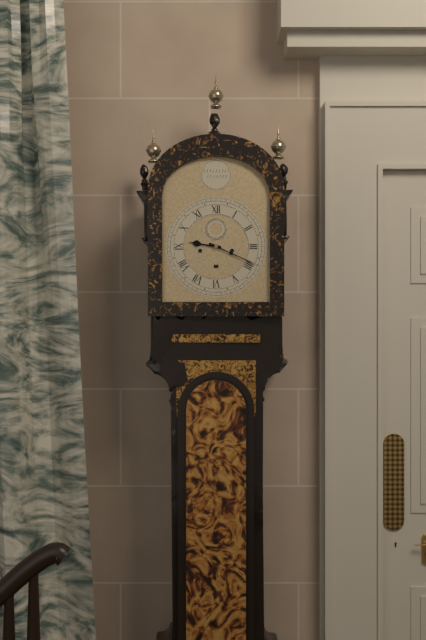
9.19
